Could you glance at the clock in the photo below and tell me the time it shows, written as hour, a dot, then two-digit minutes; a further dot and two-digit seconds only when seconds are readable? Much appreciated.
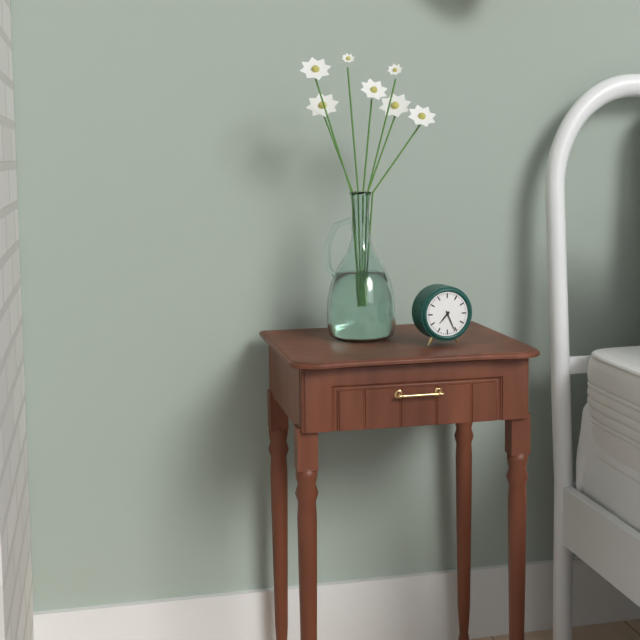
7.26
